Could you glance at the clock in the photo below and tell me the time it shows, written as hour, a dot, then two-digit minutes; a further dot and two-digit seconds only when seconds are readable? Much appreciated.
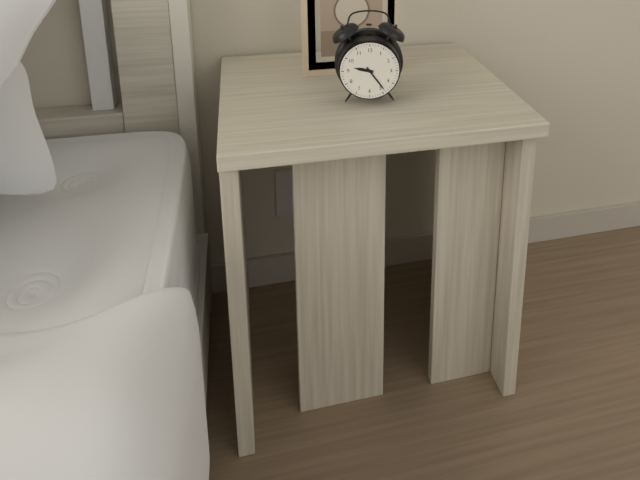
9.24
